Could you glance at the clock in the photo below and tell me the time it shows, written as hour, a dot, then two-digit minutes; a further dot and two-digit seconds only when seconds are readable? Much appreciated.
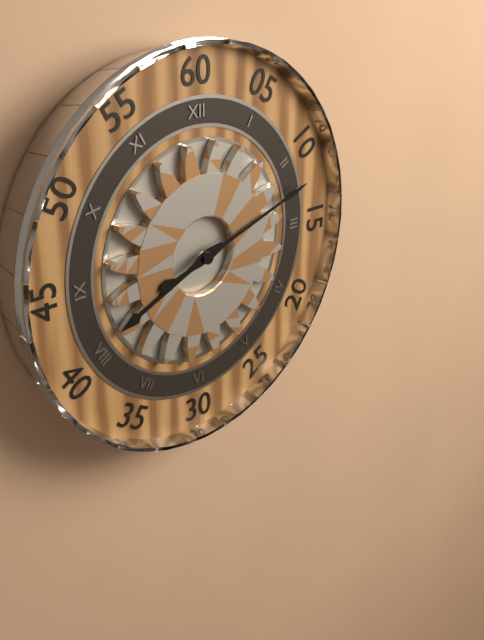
8.12
